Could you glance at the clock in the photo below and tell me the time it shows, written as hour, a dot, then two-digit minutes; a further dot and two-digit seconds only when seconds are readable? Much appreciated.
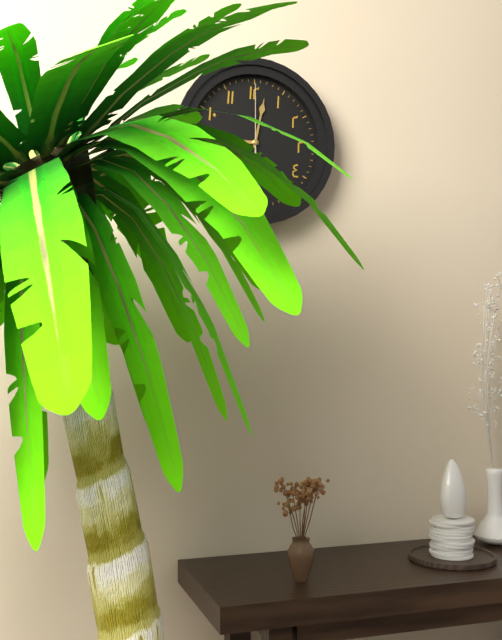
9.02.00
